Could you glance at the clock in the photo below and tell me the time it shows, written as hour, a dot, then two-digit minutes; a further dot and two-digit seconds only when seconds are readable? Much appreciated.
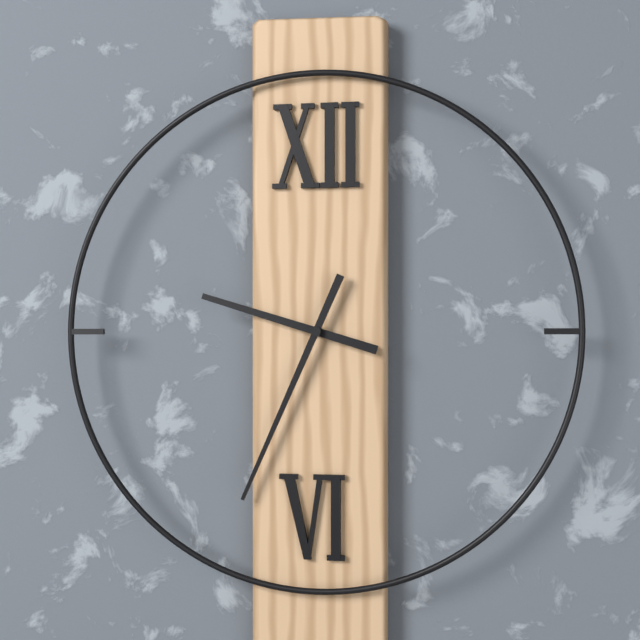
9.34
